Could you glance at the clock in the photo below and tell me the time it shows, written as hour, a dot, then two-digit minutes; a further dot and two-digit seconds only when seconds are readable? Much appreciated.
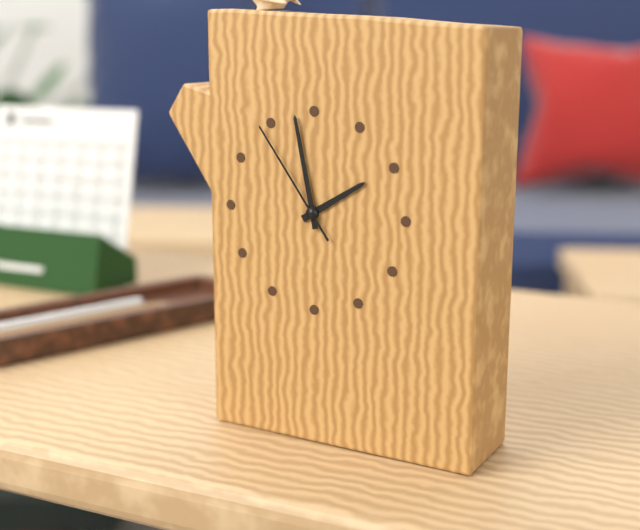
1.58.54
